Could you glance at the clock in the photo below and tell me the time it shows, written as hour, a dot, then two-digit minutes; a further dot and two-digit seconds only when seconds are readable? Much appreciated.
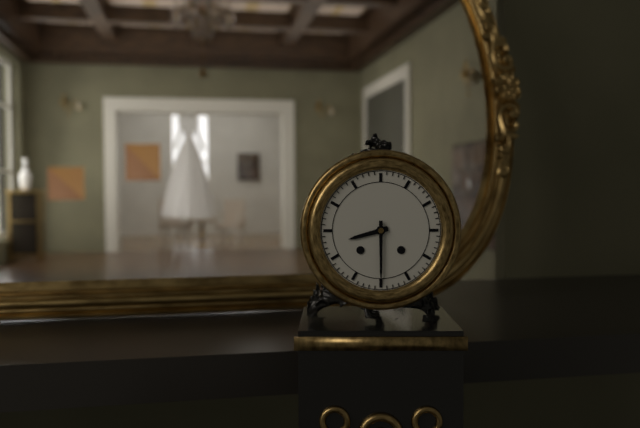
8.30
